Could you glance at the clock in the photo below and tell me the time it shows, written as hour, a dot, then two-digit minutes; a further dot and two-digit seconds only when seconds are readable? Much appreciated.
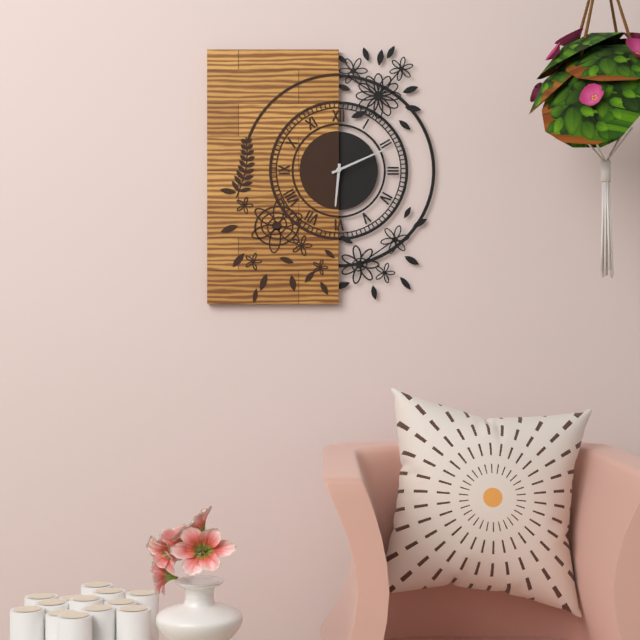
6.11
